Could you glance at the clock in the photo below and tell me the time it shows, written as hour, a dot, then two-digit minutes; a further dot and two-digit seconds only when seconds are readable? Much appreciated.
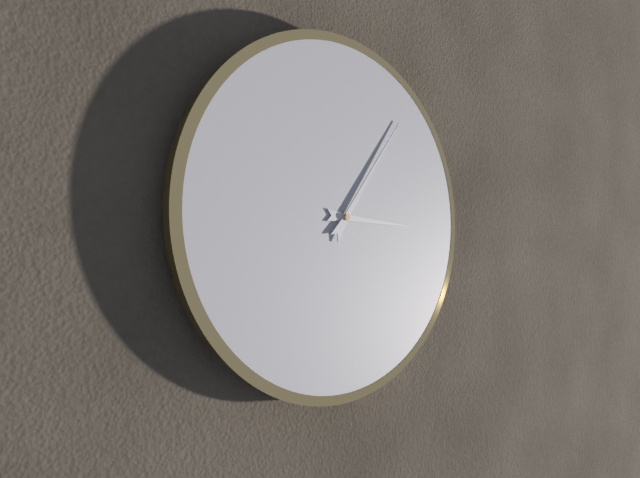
3.06
